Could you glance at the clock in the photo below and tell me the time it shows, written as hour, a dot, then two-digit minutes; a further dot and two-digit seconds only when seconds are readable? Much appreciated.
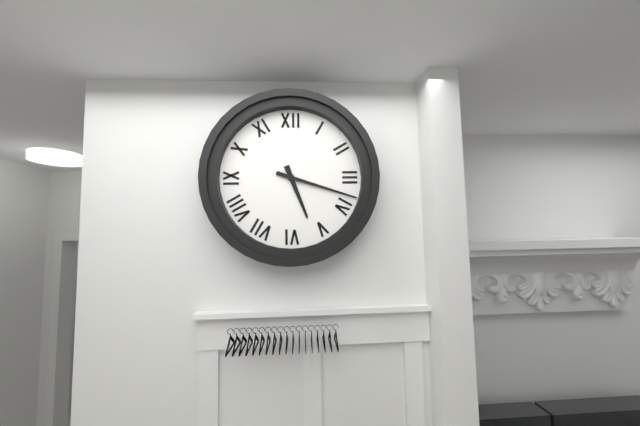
5.18
